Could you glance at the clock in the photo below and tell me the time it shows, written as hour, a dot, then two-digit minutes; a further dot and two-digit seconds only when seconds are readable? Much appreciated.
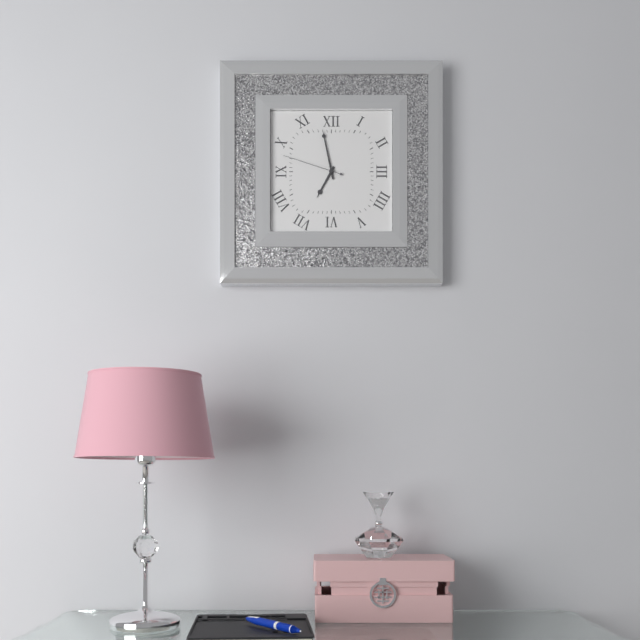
6.58.48
